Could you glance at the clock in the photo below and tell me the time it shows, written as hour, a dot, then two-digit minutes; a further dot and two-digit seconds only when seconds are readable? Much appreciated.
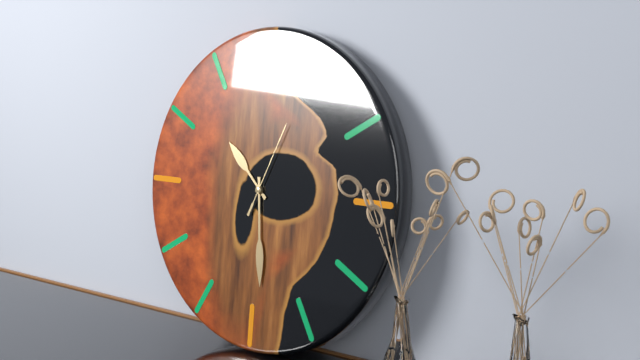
10.29.04
